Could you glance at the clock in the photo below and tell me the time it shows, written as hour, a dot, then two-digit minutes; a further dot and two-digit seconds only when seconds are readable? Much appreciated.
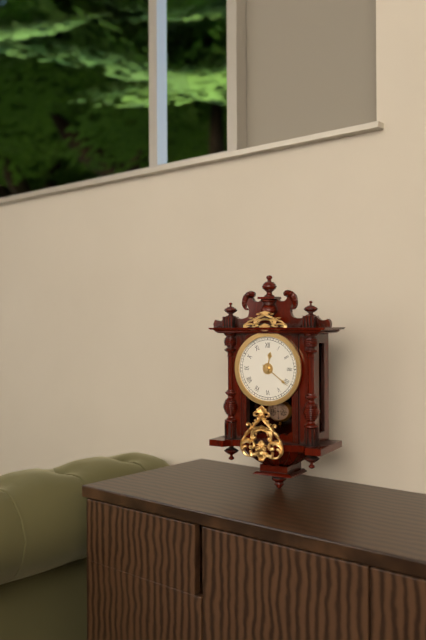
12.21
